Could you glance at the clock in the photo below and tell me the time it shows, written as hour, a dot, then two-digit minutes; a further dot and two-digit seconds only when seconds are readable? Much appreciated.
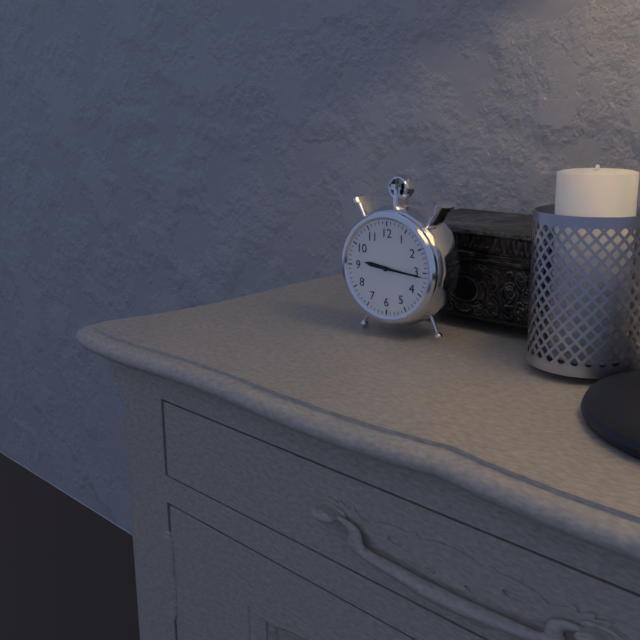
9.16
